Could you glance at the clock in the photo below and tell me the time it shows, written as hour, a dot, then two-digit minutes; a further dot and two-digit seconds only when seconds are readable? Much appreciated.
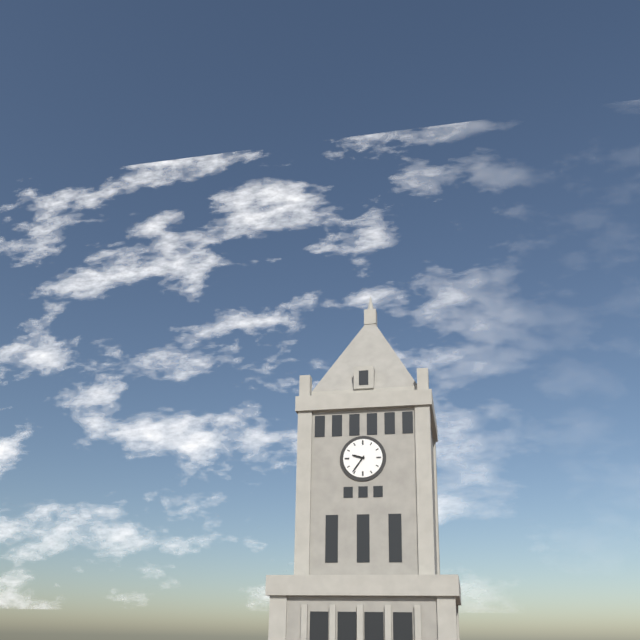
9.36
